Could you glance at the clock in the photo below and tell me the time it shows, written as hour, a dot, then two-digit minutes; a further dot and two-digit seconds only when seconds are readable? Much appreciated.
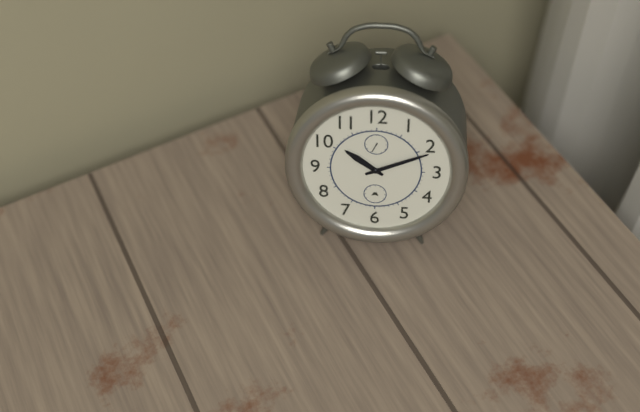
10.11
